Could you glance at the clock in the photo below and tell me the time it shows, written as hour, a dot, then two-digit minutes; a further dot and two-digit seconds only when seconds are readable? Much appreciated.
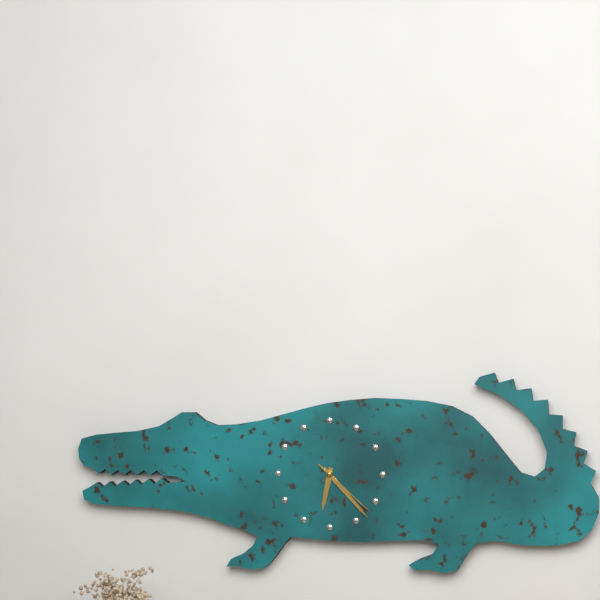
6.23.22
